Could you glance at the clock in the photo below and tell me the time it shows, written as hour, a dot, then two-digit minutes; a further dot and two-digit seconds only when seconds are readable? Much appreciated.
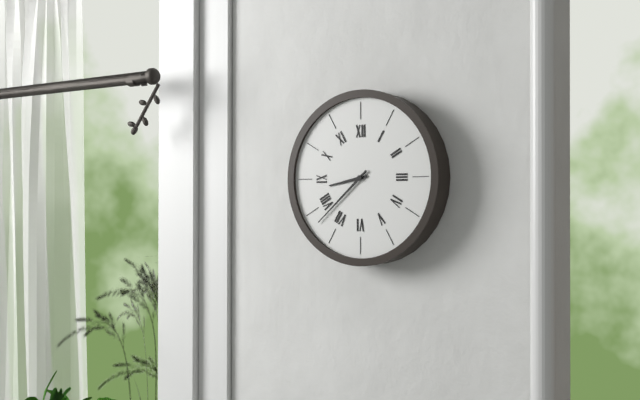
8.38
